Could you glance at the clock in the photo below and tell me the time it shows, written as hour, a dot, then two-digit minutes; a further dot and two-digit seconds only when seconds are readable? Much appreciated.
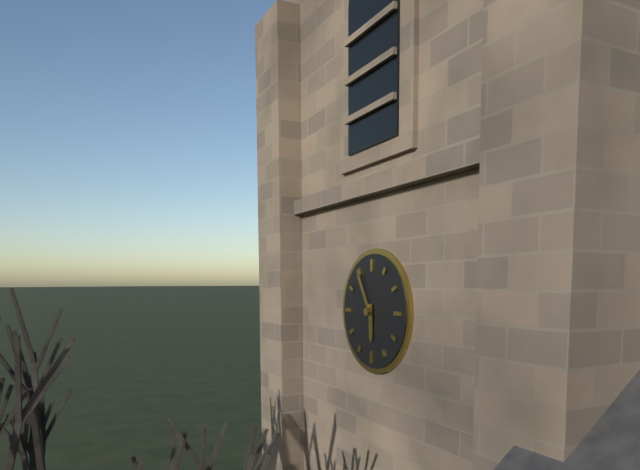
5.55
